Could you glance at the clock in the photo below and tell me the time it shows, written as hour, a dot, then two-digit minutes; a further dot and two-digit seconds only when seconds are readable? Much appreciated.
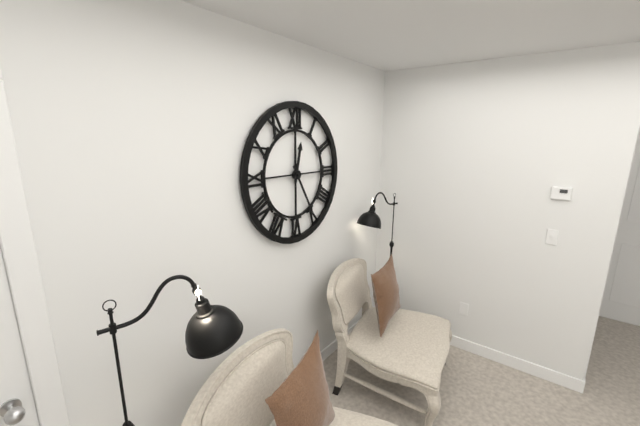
12.25
